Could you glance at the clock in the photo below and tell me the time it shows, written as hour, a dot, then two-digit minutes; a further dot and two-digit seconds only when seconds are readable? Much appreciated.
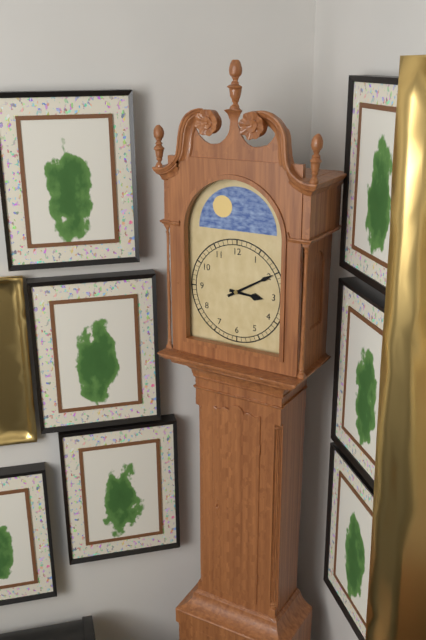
3.10
